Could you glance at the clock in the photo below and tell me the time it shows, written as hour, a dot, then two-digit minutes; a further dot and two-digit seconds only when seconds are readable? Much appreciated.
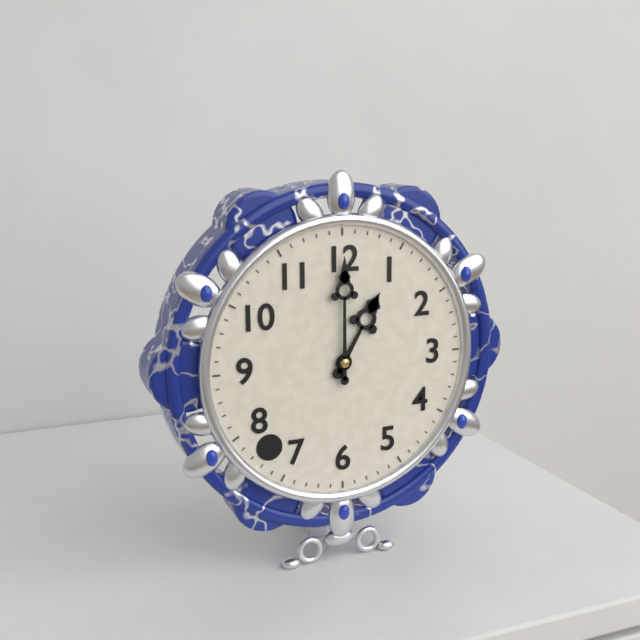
1.00
